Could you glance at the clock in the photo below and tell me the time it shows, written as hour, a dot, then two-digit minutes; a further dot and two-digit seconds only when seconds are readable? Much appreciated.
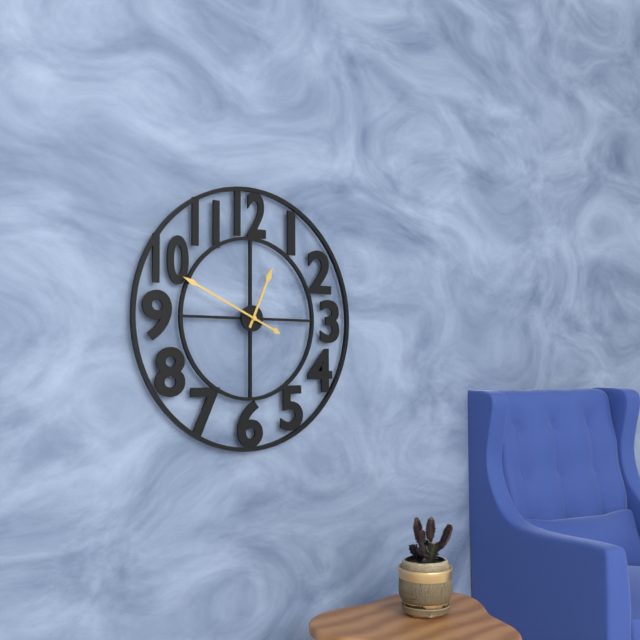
12.49
